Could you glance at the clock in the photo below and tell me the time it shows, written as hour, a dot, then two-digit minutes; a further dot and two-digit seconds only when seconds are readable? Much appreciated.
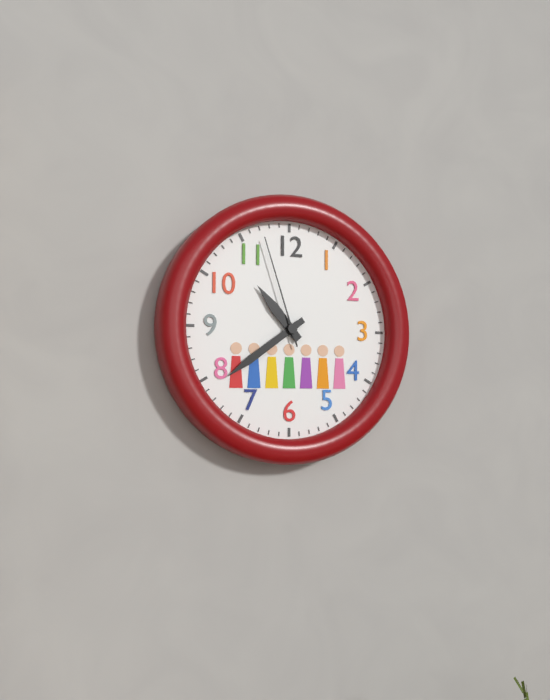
10.39.57
